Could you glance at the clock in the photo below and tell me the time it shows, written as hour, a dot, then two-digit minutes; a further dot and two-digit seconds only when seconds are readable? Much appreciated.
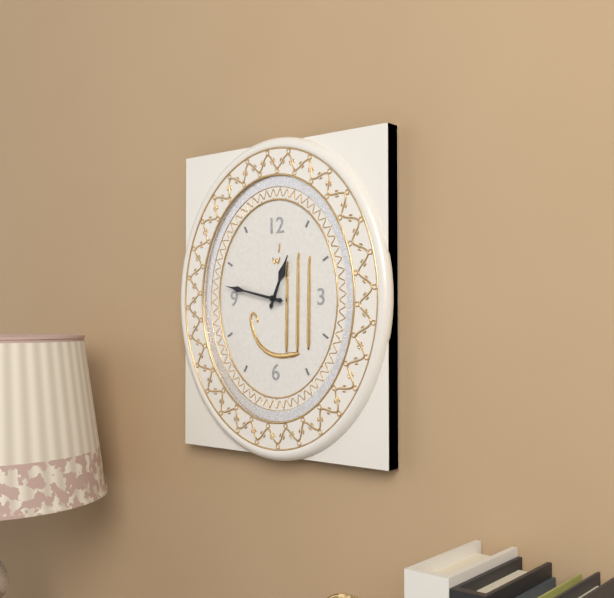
12.47
